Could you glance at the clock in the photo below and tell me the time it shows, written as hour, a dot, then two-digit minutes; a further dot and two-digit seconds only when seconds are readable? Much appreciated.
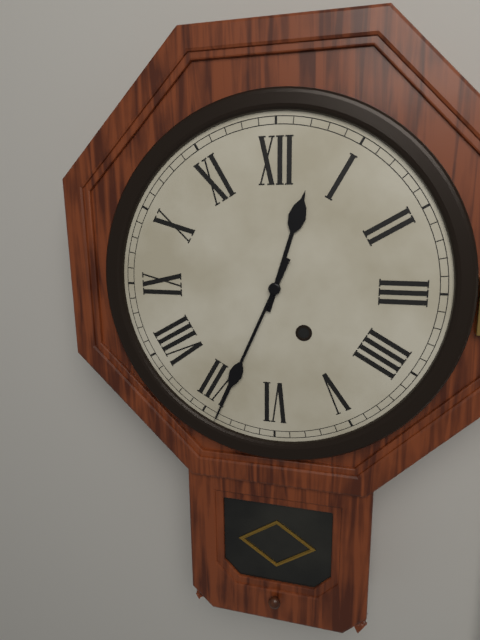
12.34
